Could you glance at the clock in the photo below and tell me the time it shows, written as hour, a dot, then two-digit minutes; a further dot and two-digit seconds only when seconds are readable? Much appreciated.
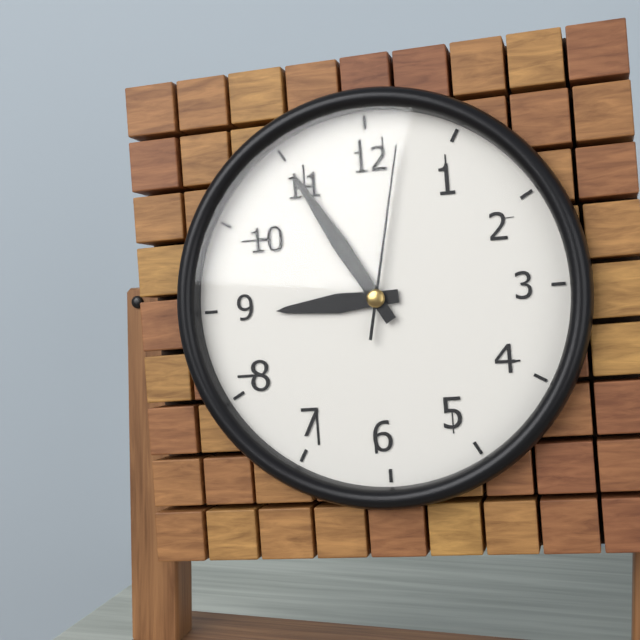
8.55.02
